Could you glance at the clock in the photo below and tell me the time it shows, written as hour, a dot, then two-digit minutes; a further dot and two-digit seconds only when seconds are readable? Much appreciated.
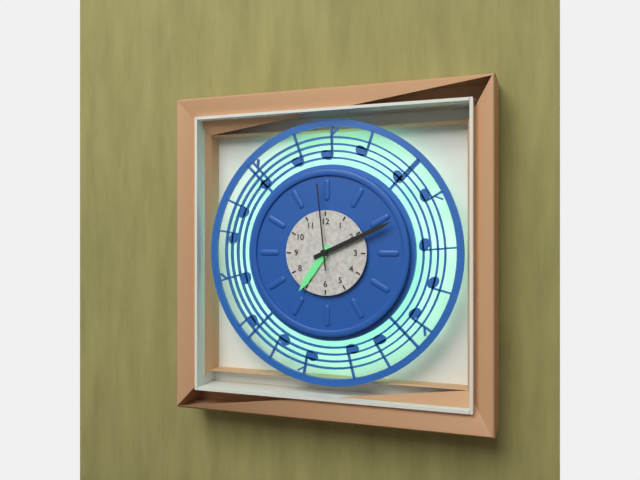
7.11.59
